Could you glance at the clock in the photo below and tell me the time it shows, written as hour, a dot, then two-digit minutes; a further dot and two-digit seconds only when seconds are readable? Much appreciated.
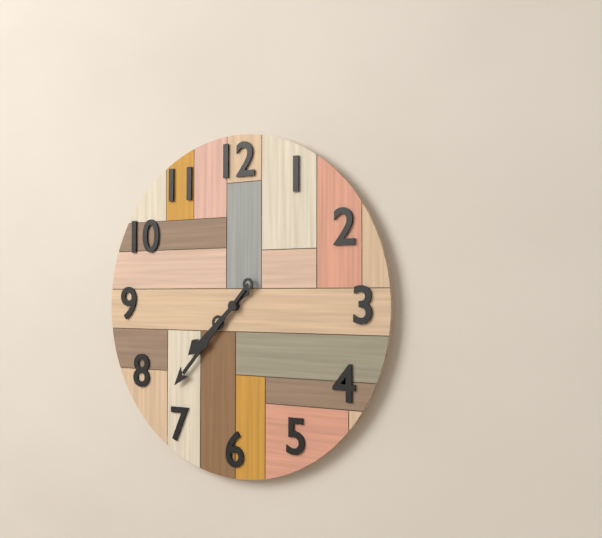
7.37
